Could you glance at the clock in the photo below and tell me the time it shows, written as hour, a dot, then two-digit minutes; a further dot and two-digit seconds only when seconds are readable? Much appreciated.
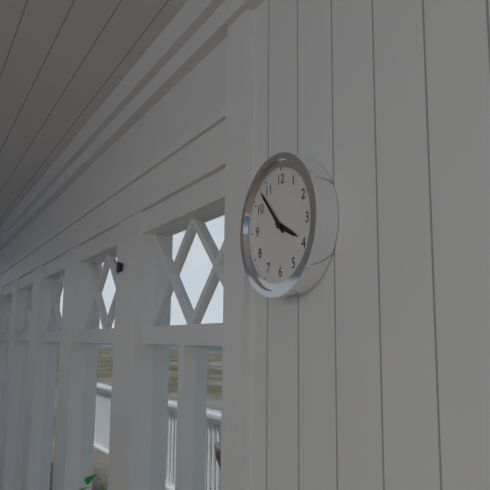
3.53
